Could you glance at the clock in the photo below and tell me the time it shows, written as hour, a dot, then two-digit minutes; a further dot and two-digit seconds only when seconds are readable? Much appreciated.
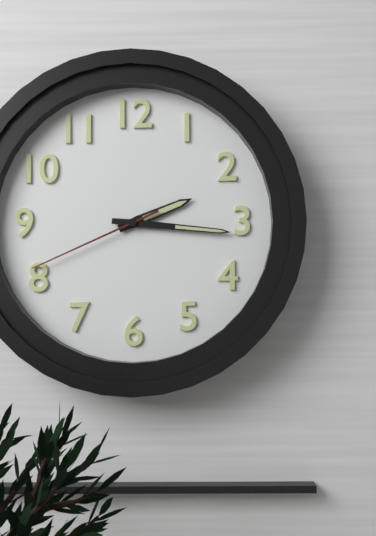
2.16.41
